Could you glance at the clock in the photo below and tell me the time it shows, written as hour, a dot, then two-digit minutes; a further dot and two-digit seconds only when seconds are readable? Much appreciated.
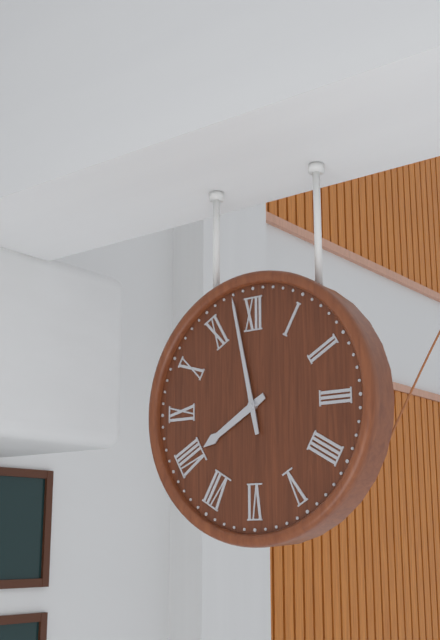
7.58
